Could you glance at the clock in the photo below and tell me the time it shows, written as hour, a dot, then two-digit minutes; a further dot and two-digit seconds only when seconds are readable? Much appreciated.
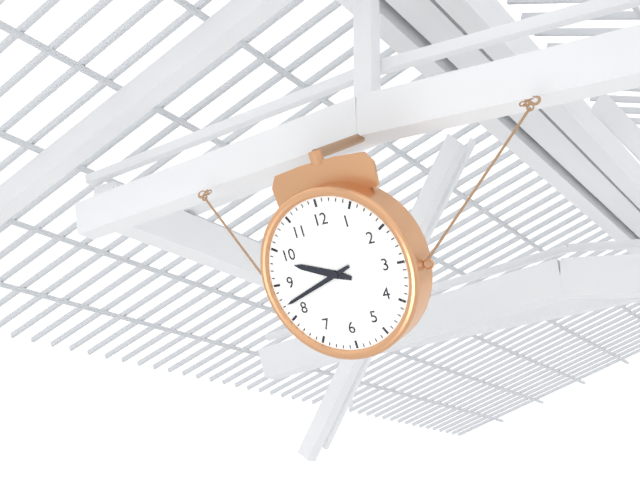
9.42
